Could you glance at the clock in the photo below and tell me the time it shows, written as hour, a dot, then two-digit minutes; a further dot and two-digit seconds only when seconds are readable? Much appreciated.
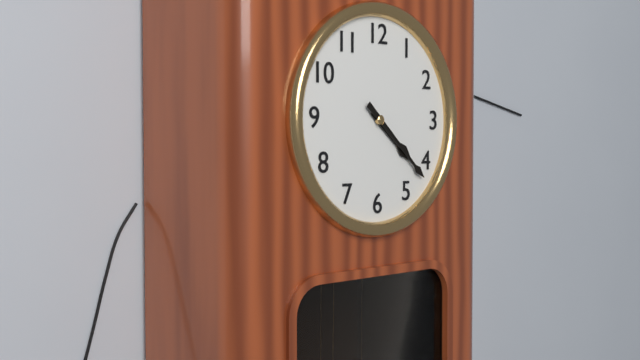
4.22
